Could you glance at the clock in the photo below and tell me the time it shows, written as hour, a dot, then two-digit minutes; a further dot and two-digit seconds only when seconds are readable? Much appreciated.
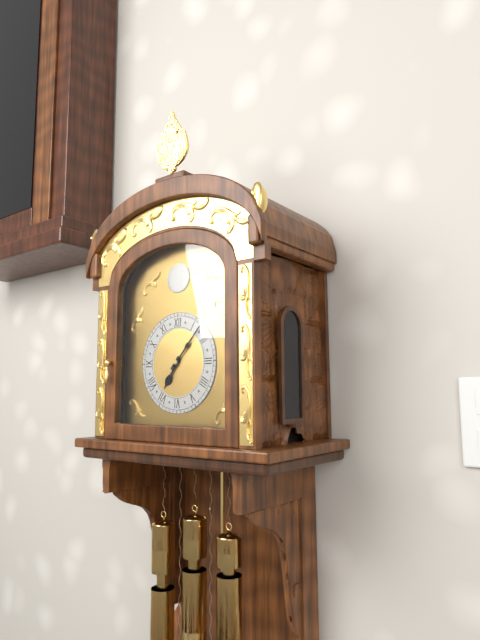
7.07
